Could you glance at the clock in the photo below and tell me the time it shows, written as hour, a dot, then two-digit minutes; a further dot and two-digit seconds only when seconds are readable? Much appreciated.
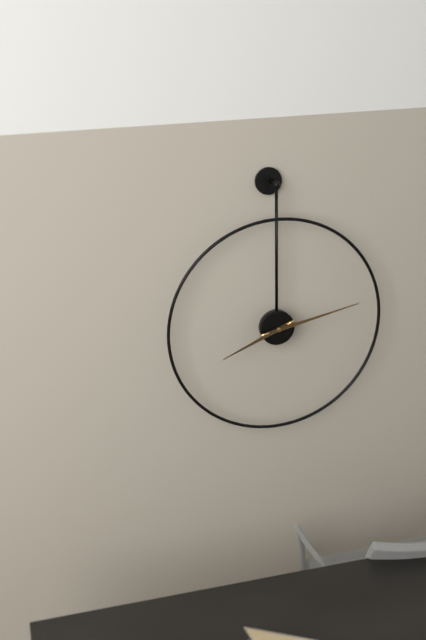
8.13
